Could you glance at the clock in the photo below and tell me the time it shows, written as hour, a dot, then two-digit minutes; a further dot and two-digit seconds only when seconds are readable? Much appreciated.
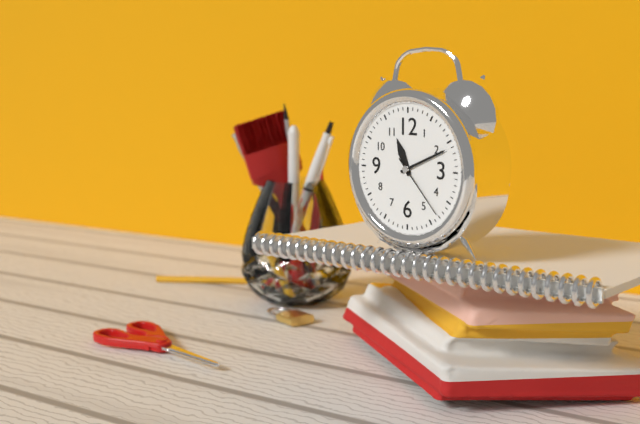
11.11.23
